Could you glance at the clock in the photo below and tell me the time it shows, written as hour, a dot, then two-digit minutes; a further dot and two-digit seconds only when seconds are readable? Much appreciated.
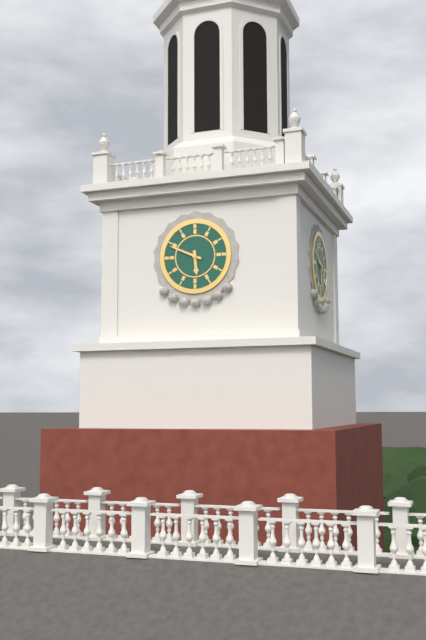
5.49
